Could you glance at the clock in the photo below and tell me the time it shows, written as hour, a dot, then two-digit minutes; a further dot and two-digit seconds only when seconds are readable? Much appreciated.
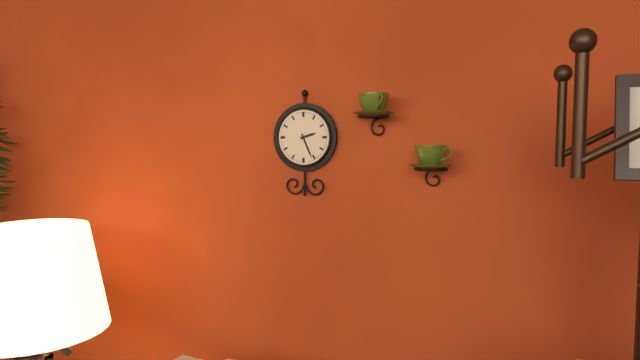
2.26
